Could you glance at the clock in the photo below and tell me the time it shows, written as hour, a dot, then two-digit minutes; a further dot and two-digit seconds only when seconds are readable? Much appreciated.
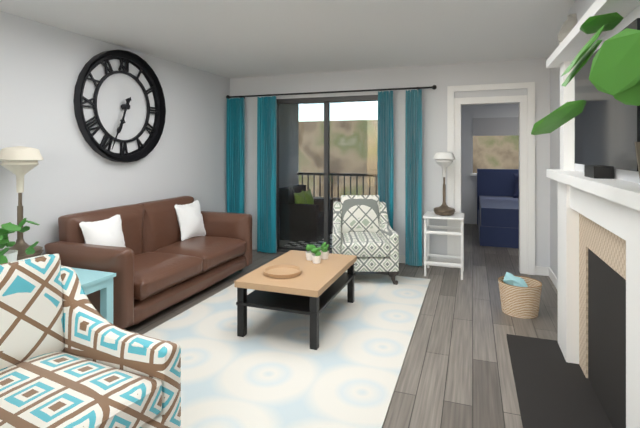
6.34
